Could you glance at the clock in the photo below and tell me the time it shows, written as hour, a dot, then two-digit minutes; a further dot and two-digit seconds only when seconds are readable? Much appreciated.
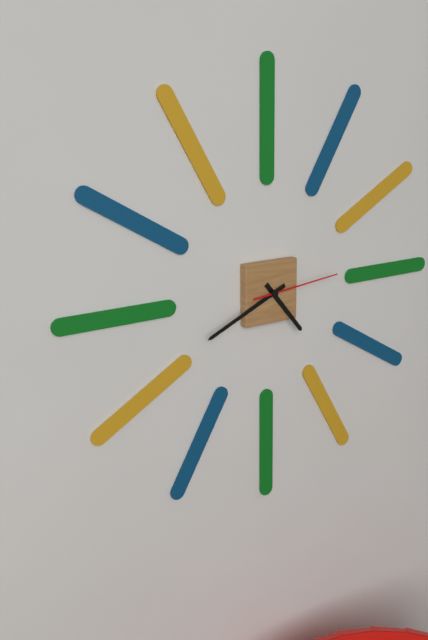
4.41.14
